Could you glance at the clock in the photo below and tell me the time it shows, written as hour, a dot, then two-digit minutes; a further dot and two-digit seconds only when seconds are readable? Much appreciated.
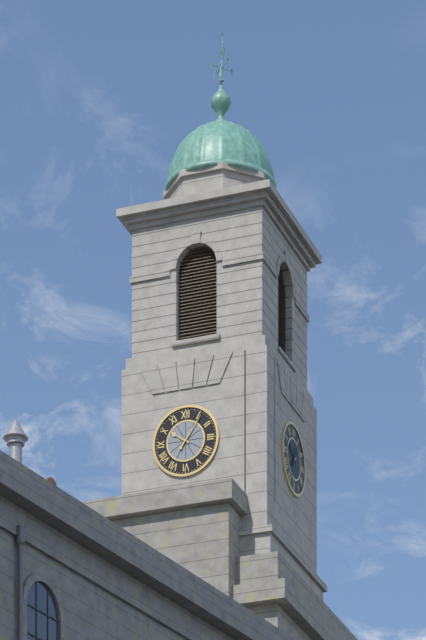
10.06
